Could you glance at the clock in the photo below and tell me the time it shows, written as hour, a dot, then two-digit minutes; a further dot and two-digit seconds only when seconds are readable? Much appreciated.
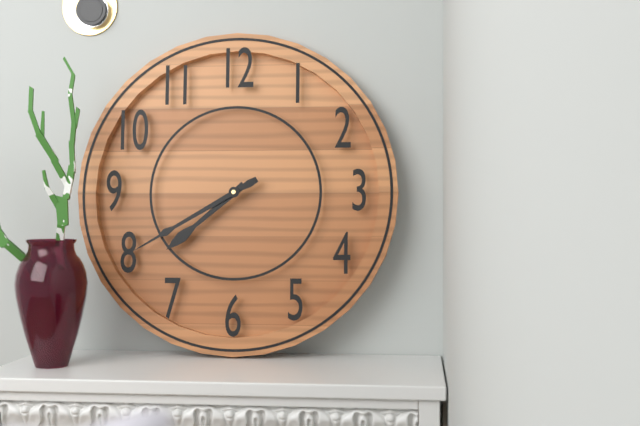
7.40
